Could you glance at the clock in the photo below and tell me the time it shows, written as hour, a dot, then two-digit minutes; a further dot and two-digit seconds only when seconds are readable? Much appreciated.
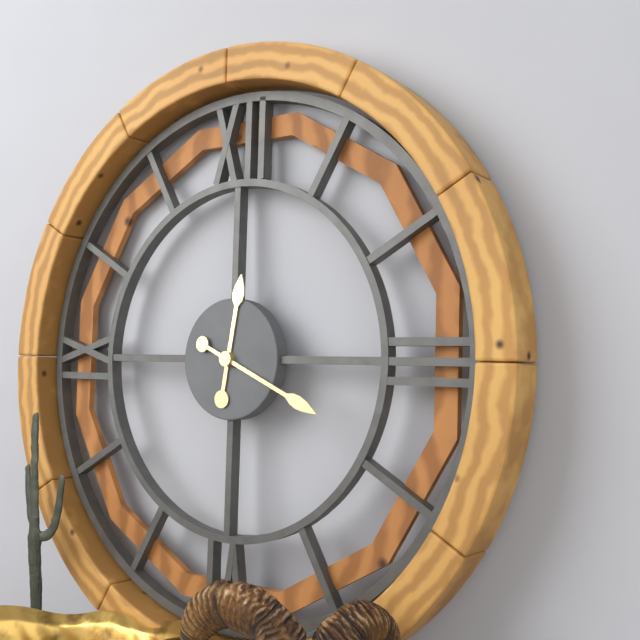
12.19
